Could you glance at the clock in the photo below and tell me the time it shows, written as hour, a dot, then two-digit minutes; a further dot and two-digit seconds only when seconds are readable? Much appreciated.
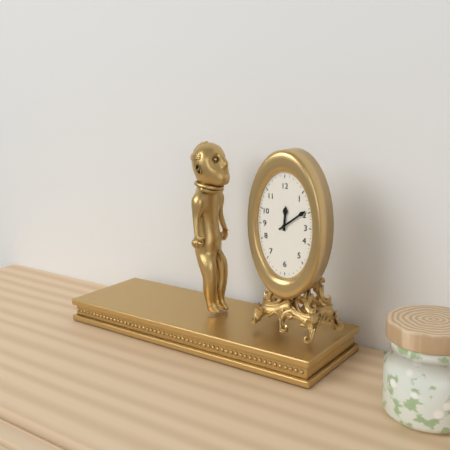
12.09
